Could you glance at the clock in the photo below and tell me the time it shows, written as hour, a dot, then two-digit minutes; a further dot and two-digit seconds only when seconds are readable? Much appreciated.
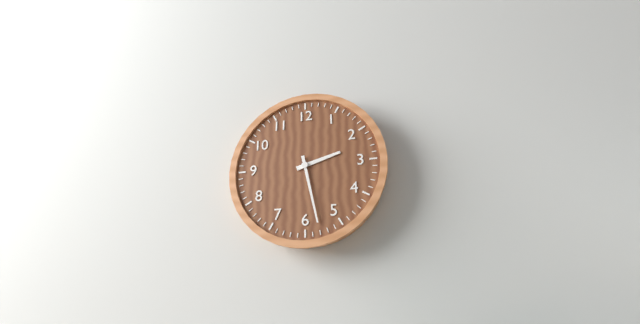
2.28
